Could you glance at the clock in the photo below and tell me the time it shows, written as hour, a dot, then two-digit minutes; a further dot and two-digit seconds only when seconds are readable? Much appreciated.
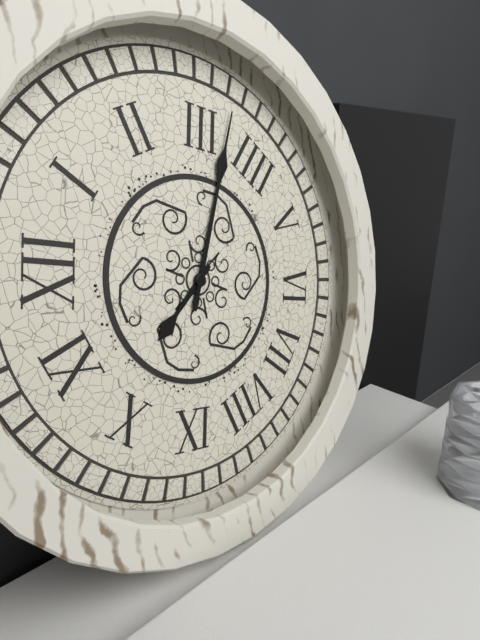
10.17
